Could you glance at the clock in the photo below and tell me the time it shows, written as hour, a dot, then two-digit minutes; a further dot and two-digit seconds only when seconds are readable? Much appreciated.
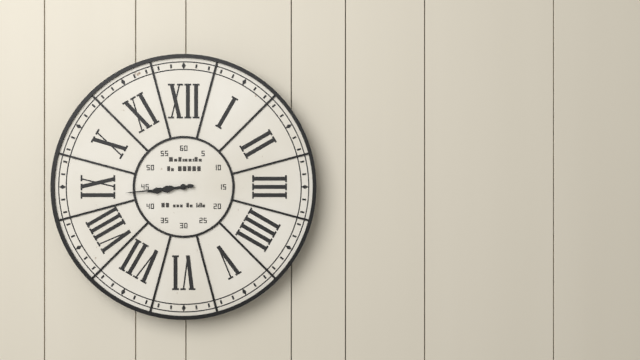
8.44
